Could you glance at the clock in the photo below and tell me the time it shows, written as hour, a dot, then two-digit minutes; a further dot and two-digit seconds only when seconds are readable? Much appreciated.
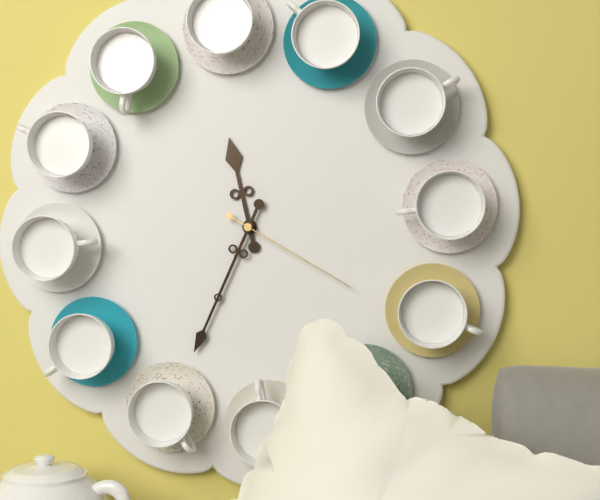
11.34.20
